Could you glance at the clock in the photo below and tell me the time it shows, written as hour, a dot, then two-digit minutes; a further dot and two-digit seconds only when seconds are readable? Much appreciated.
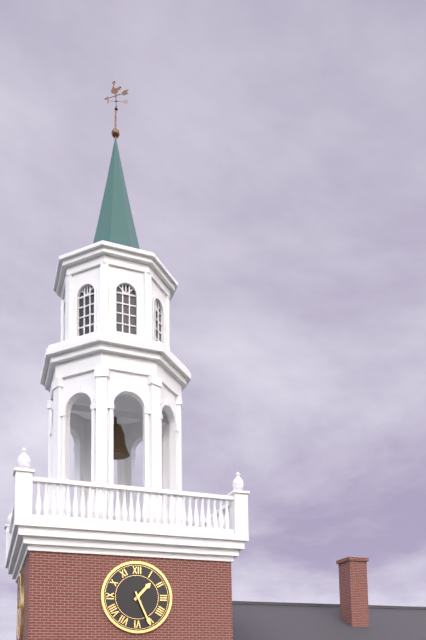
1.26
